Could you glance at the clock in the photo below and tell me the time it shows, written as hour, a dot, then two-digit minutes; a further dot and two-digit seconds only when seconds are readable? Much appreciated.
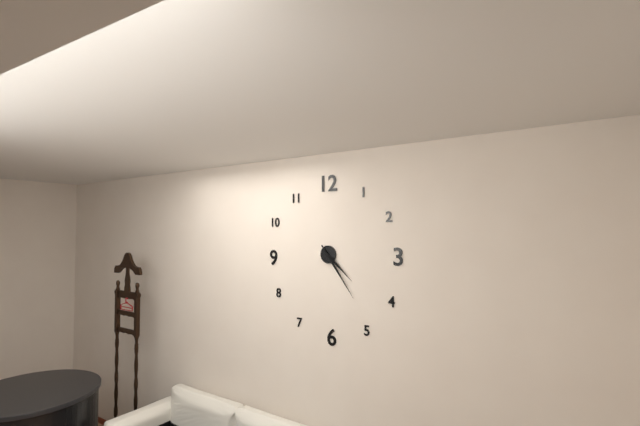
4.24
